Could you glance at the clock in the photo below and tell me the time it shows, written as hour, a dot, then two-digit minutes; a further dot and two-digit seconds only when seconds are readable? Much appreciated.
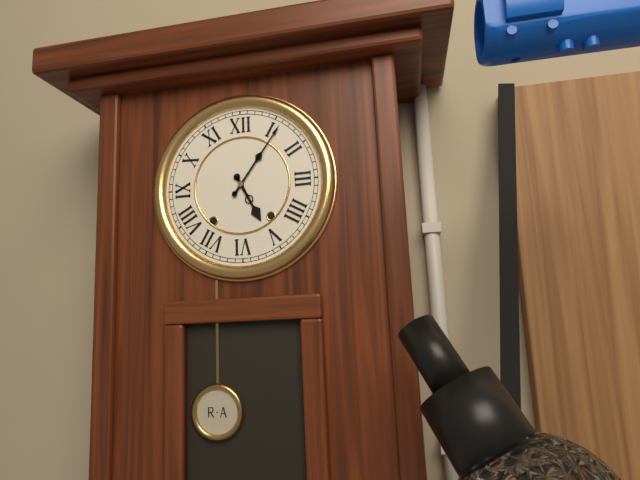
5.06
